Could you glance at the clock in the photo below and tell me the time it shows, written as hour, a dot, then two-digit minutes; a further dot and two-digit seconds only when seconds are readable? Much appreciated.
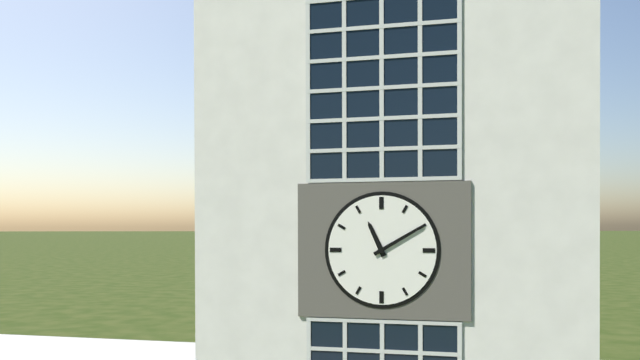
11.10
